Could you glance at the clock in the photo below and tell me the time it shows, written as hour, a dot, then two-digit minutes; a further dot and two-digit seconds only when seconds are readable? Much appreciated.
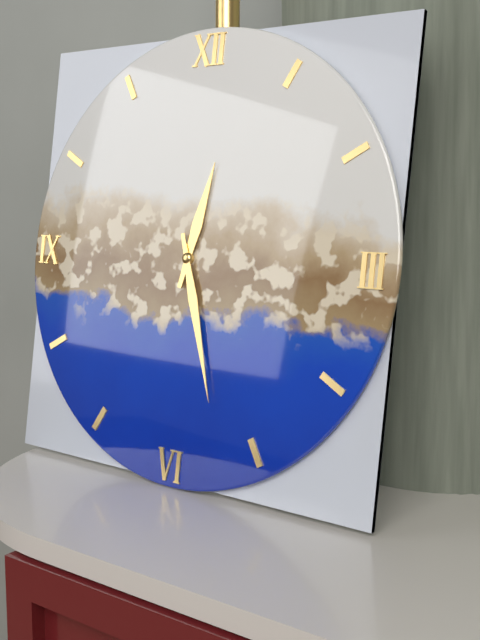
12.27
